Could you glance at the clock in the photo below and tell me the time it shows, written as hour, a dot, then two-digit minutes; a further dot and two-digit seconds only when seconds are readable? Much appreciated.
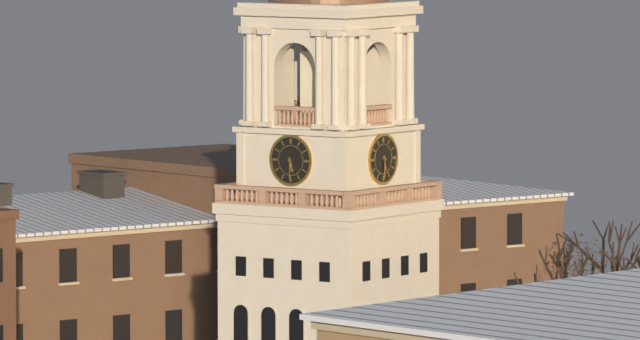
5.30
